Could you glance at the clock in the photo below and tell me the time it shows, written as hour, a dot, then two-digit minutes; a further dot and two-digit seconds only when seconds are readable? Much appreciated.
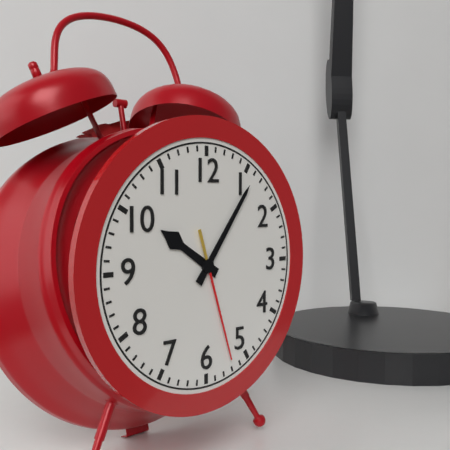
10.06.27
